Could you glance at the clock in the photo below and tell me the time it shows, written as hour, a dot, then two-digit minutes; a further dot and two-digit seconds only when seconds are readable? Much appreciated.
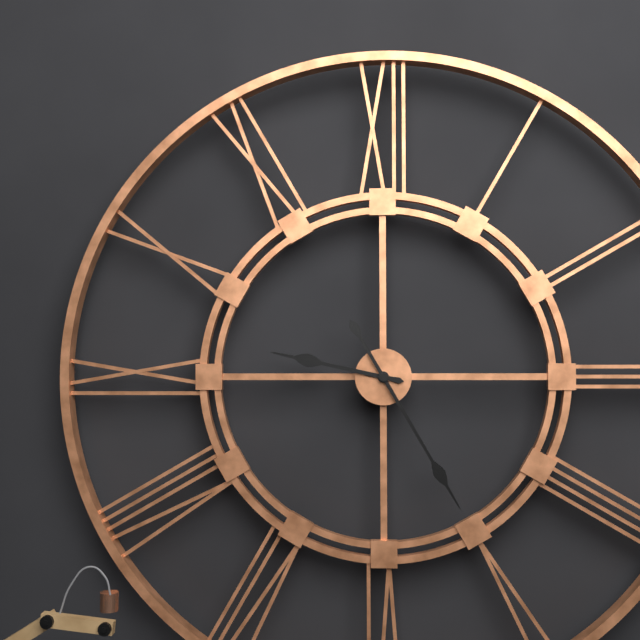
9.25
